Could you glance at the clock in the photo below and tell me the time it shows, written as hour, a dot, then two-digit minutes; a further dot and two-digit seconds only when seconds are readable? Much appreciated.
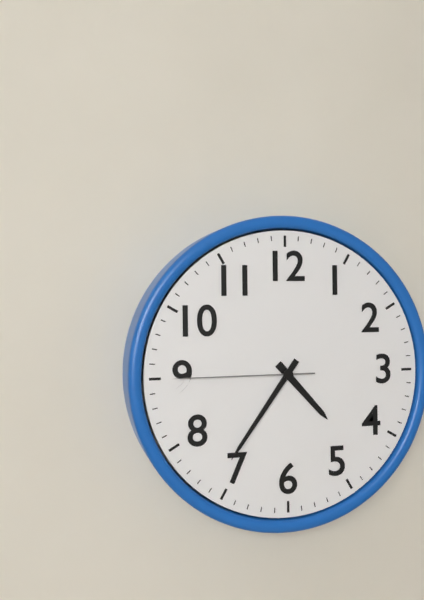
4.36.45
